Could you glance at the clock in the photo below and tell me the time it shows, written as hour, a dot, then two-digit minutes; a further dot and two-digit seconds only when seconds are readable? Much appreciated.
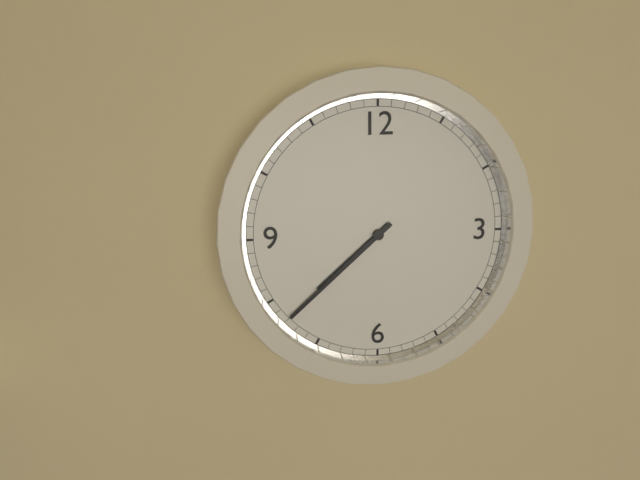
7.38
